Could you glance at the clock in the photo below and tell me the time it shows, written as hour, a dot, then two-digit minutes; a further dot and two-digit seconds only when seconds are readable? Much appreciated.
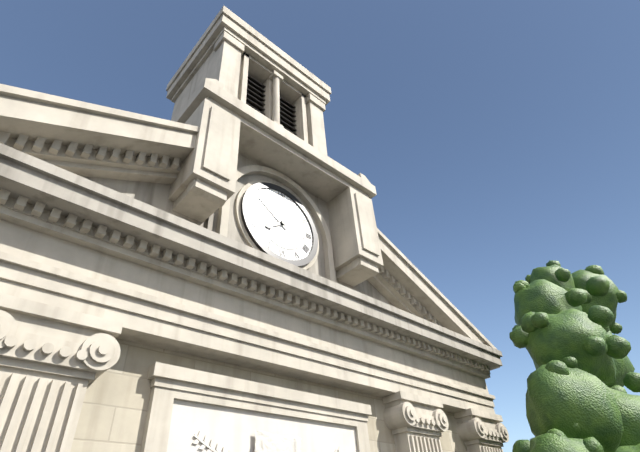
7.51
